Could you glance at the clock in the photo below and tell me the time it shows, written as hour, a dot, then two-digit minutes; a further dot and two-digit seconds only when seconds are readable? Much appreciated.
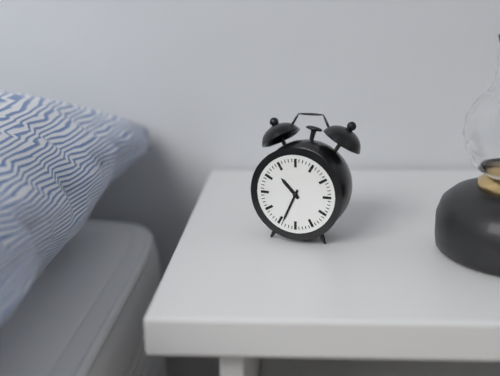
10.34
